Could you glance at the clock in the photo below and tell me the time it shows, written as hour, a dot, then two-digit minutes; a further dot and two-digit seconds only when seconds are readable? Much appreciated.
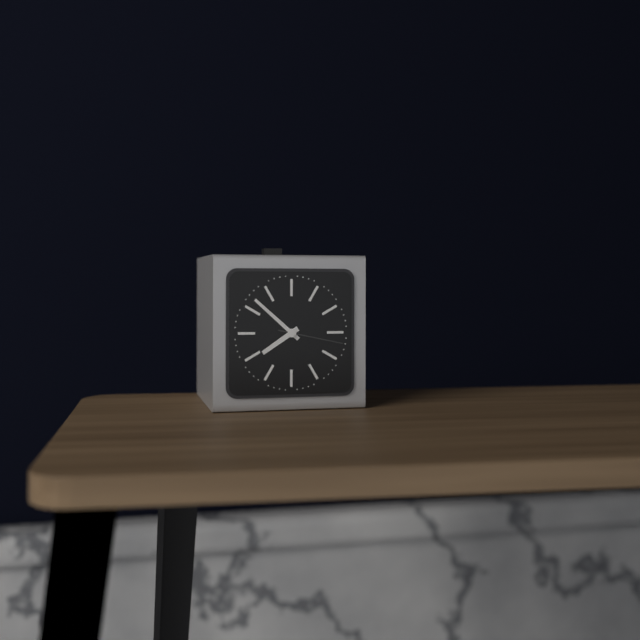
7.52.17
